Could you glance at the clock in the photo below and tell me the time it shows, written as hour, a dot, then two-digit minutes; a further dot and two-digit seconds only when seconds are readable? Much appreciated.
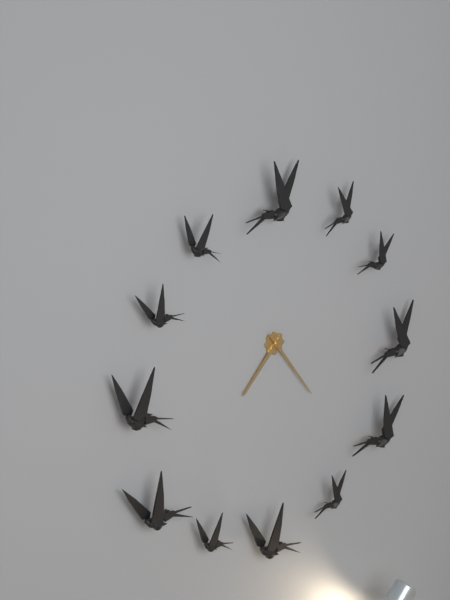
7.24
